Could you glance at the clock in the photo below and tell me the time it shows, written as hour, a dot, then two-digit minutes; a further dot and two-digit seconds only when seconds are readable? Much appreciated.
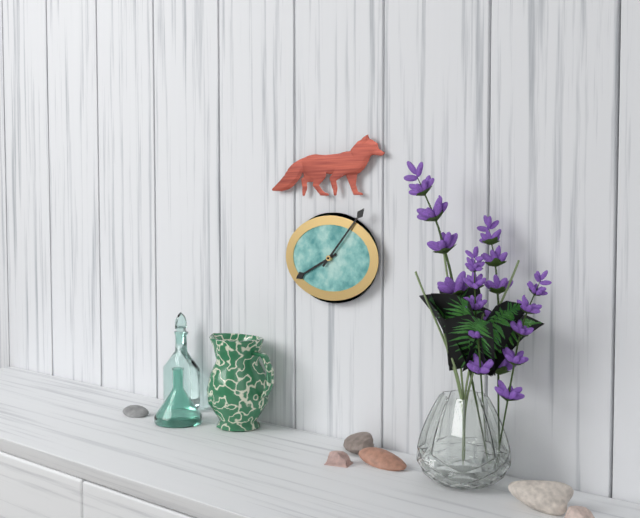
8.07
